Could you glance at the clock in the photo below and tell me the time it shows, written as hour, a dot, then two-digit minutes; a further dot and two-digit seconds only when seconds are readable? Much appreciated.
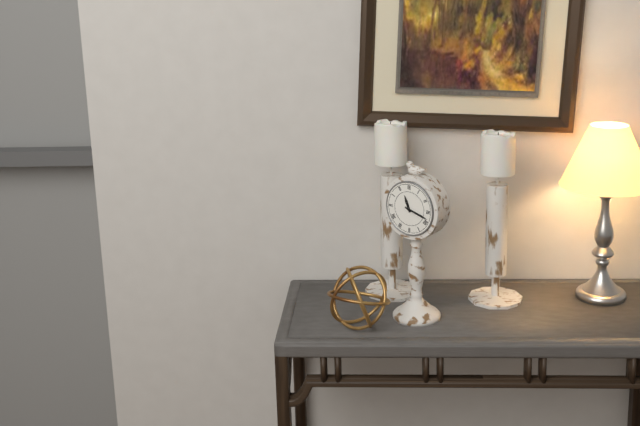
11.18
